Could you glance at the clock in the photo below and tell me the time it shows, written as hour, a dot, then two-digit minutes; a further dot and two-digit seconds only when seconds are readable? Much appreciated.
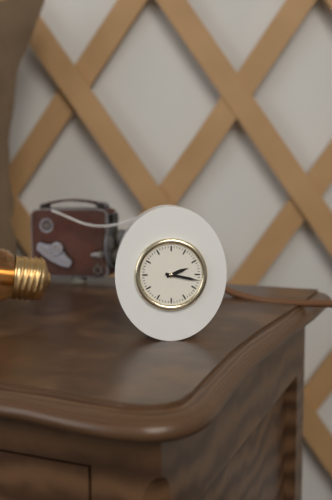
2.17
